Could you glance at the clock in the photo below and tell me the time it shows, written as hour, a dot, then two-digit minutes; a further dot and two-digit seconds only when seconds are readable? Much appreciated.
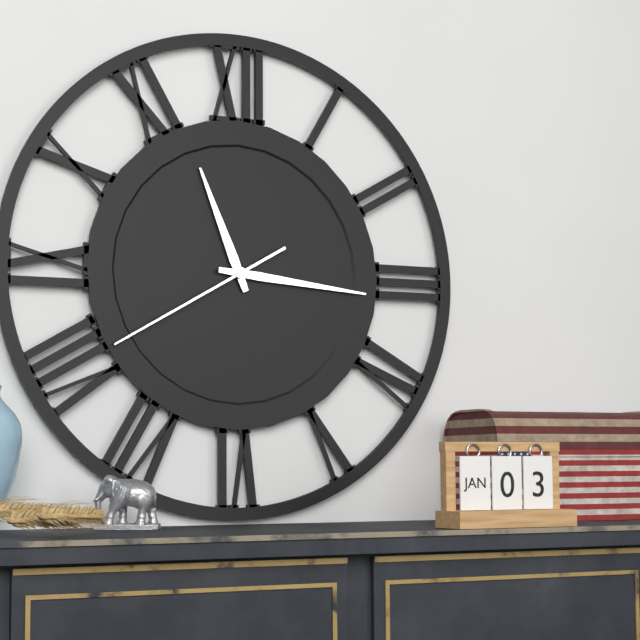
11.16.40
